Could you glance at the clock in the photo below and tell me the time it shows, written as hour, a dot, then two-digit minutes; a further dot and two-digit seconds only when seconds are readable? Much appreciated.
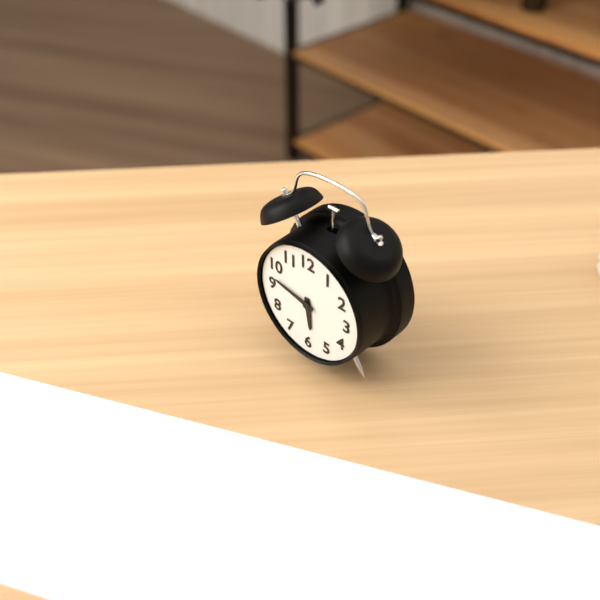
5.47
